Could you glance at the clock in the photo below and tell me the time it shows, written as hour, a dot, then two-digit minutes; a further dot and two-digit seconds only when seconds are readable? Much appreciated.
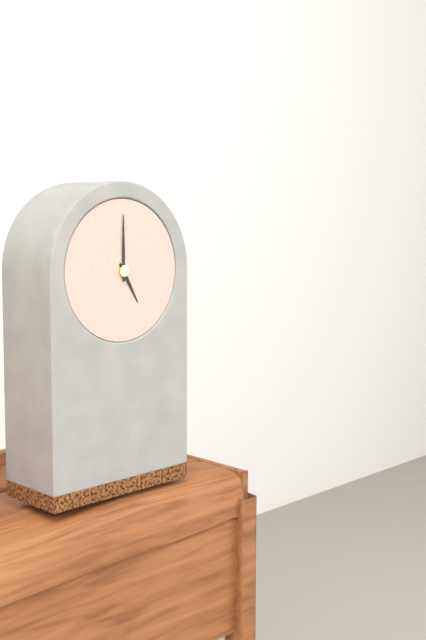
5.00
